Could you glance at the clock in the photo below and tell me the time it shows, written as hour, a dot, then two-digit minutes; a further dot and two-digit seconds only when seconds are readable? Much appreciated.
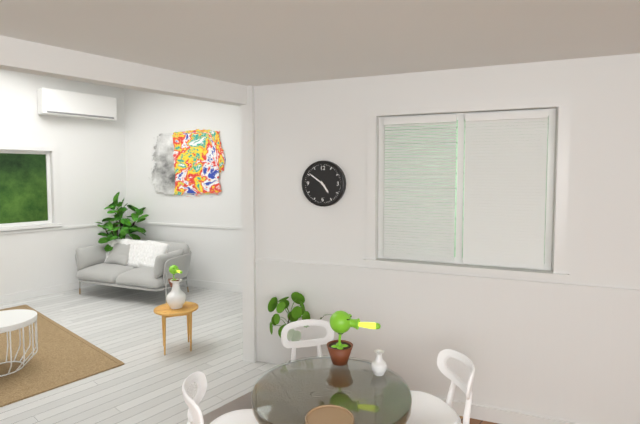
4.51
